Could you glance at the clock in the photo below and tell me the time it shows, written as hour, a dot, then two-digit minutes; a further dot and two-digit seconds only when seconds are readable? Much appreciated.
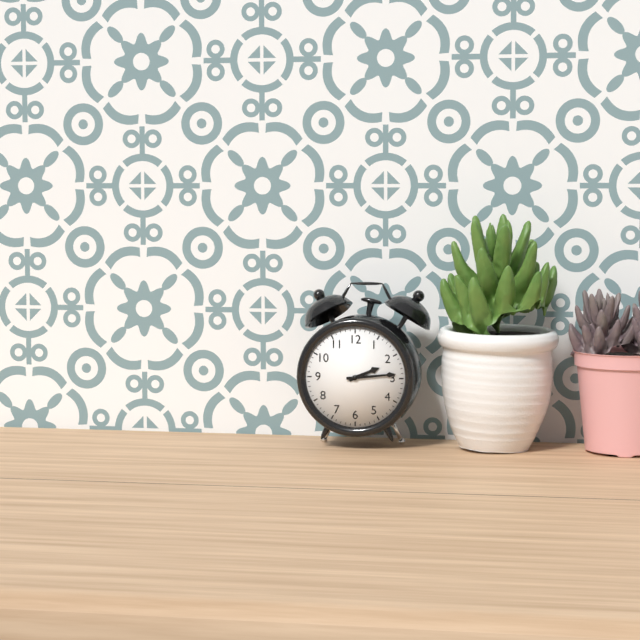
2.14
